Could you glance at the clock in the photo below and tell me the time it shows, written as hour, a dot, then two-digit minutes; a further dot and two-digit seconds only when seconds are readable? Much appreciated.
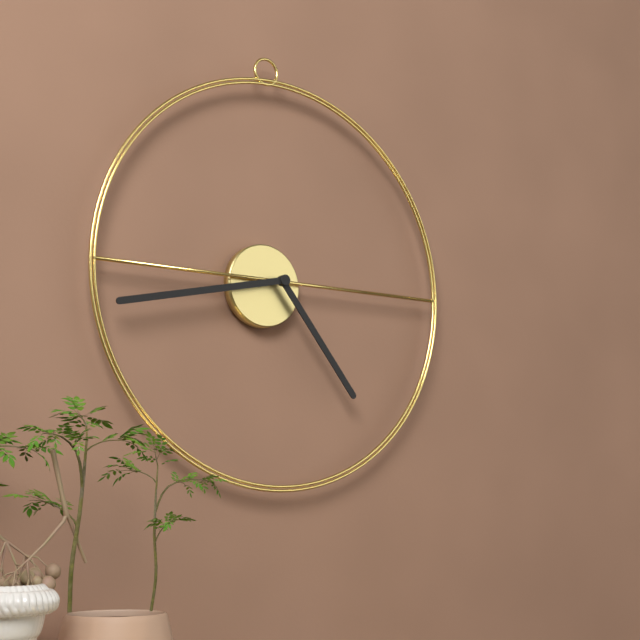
4.43
